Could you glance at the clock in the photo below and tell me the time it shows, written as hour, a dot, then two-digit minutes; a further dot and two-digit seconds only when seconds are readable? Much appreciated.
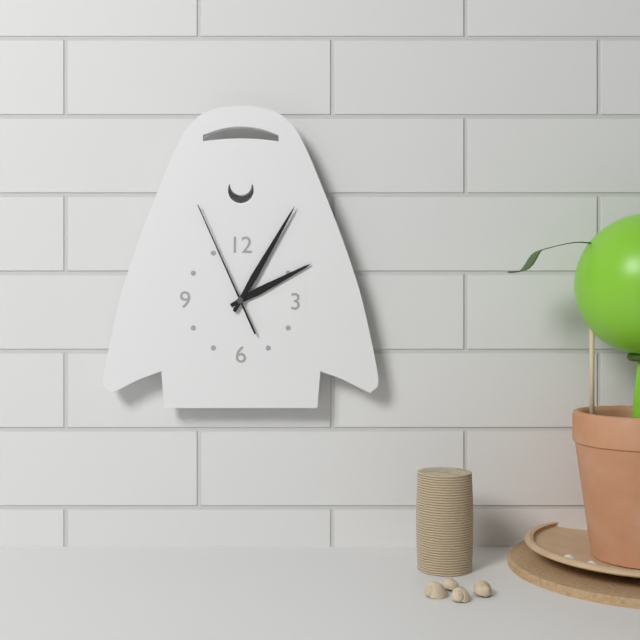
2.05.56
